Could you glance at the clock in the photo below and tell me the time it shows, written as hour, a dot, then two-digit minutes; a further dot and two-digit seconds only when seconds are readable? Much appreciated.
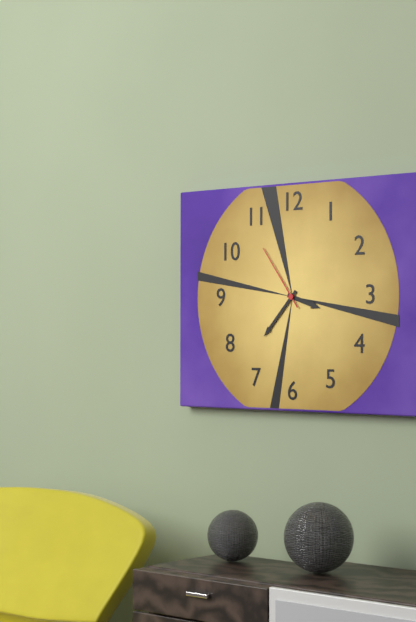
3.37.54
